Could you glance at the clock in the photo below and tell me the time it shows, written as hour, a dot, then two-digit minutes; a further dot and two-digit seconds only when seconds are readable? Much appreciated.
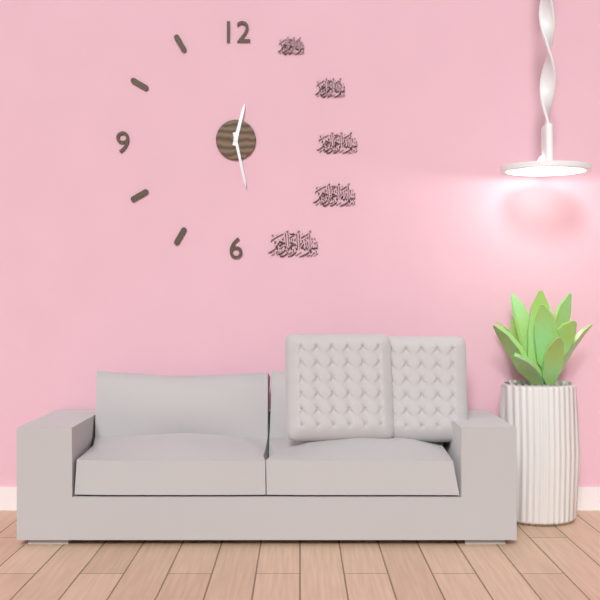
12.28
